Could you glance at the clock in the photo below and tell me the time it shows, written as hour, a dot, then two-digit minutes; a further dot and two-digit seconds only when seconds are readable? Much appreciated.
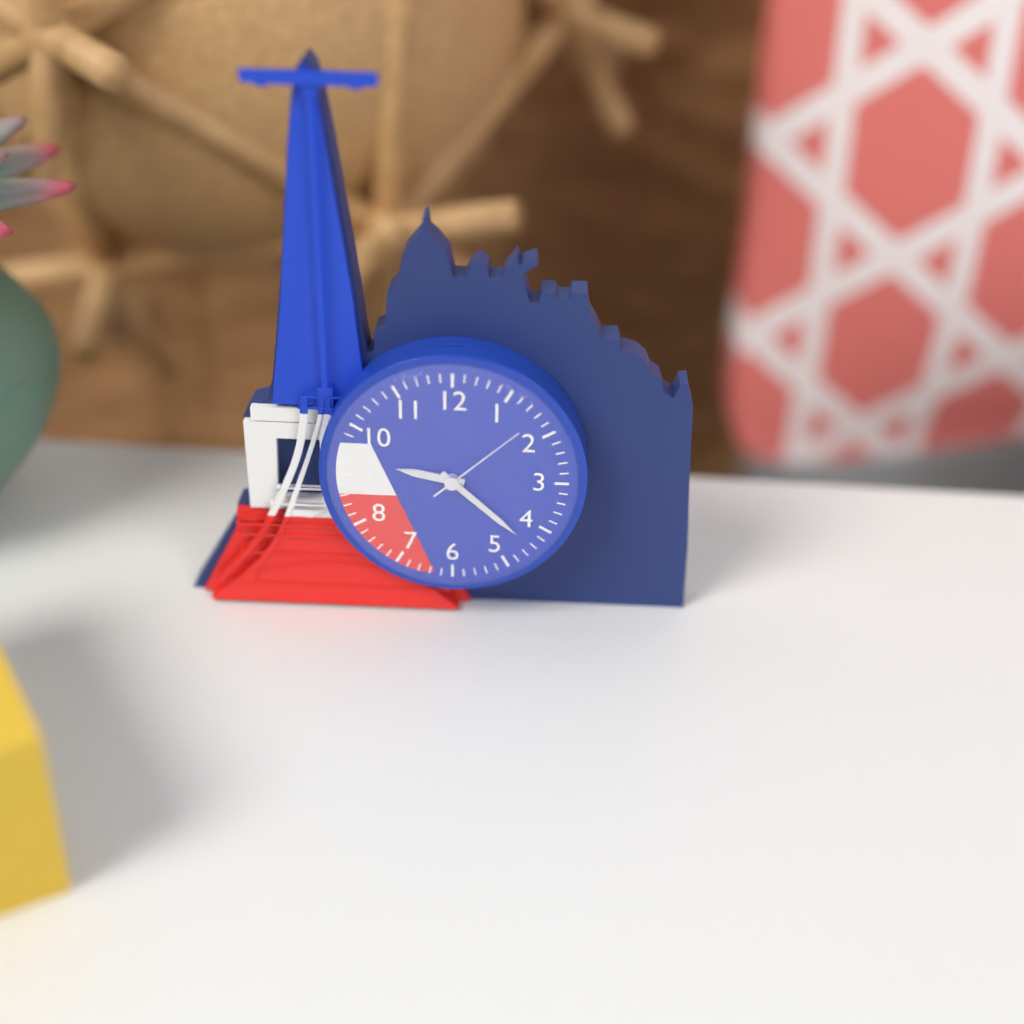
9.22.08
